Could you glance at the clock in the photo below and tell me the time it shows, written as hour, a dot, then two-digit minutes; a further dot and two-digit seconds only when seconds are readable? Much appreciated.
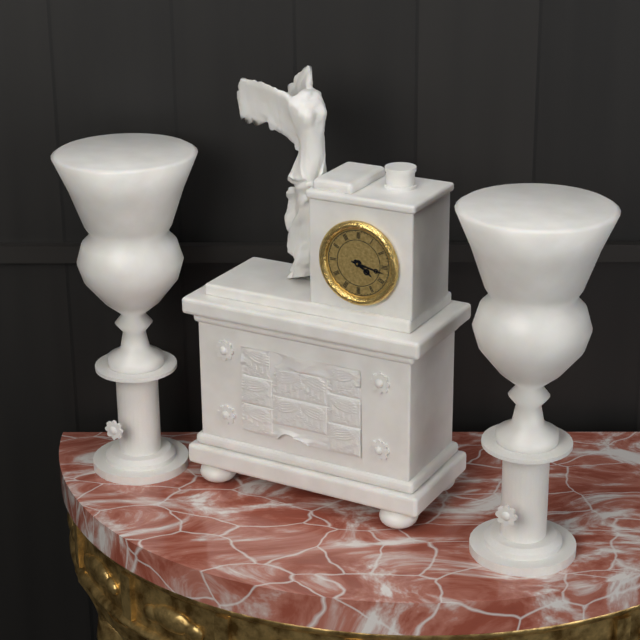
4.17
